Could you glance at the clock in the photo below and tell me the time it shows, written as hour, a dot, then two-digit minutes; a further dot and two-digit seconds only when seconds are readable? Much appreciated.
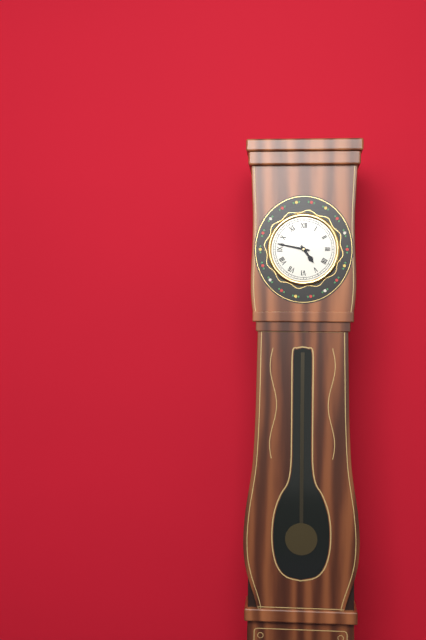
4.47
